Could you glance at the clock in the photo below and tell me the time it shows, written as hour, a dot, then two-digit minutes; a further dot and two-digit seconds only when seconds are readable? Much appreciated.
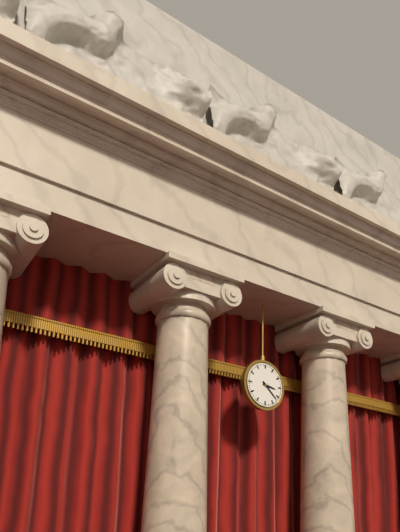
3.22
